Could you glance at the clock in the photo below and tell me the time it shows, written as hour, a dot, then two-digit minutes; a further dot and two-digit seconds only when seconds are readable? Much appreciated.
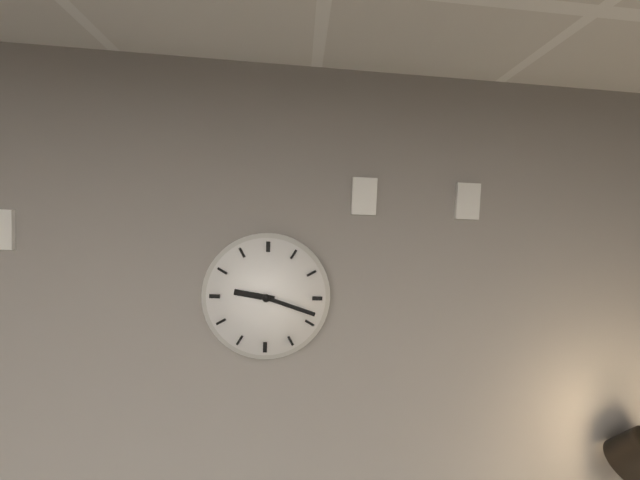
9.18
